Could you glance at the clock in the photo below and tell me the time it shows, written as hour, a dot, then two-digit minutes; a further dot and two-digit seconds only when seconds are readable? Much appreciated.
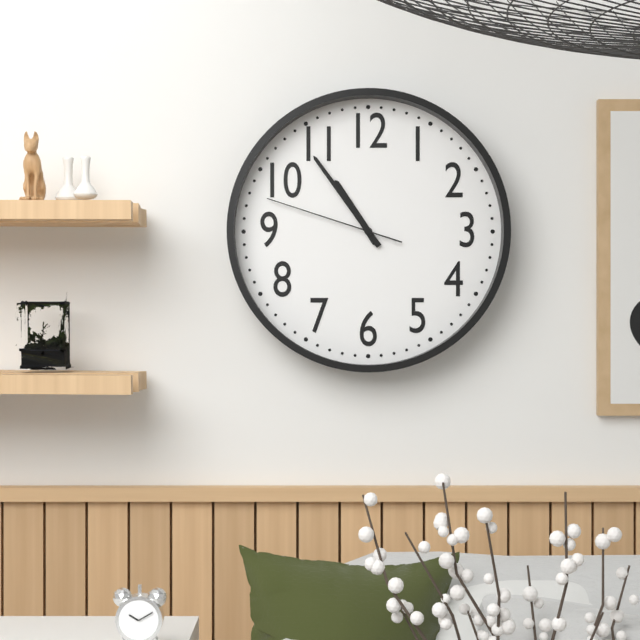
10.54.48
